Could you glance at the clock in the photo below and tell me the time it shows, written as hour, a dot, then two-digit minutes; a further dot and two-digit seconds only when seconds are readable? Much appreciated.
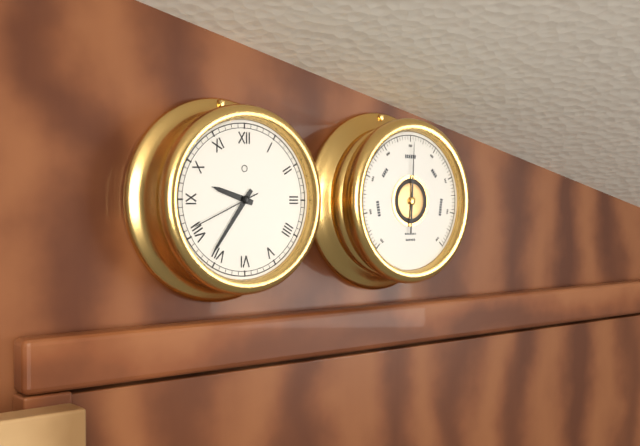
9.36.41
